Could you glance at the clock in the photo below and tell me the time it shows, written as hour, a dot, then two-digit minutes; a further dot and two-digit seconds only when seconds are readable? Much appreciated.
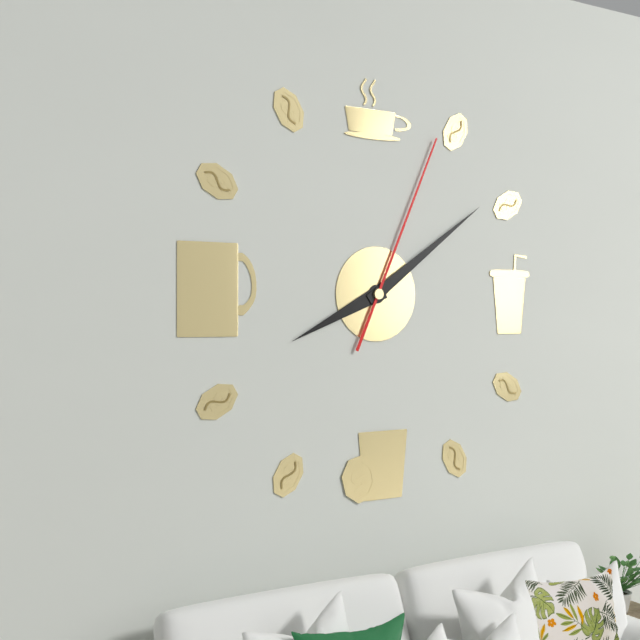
8.09.04
